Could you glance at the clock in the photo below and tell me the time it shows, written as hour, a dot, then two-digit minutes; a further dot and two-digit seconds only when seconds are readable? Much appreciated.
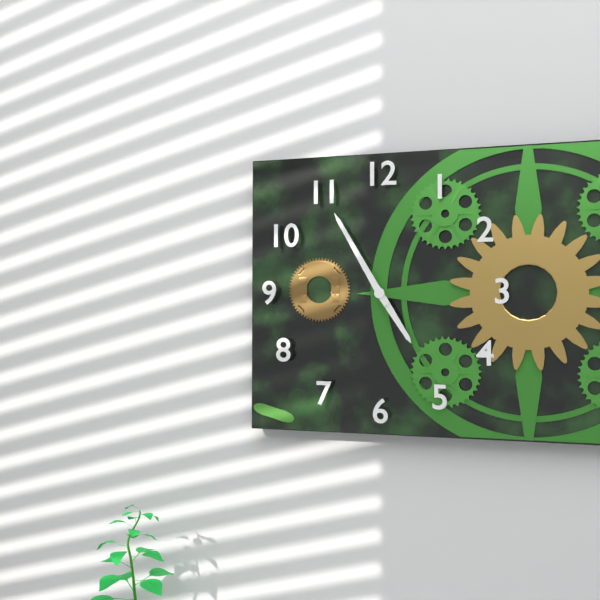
4.55
